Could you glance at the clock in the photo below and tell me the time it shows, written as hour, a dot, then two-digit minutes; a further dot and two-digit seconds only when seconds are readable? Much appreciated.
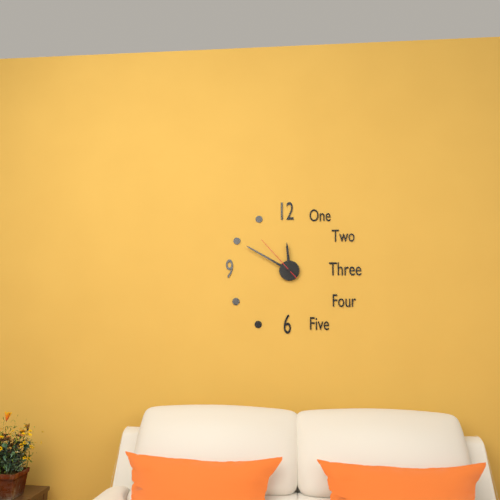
11.50.53
